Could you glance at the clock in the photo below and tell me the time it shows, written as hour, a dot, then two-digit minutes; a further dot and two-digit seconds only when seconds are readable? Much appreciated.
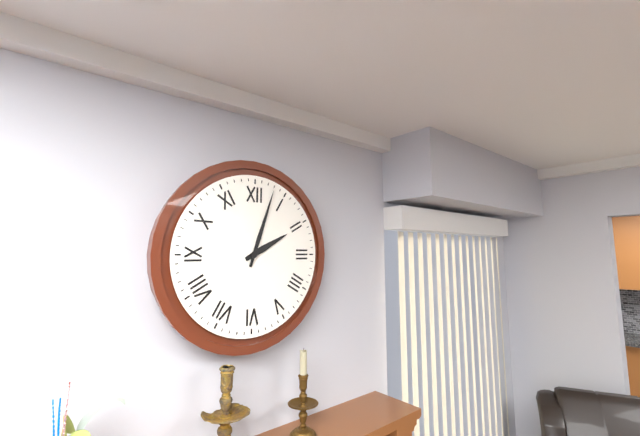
2.03
